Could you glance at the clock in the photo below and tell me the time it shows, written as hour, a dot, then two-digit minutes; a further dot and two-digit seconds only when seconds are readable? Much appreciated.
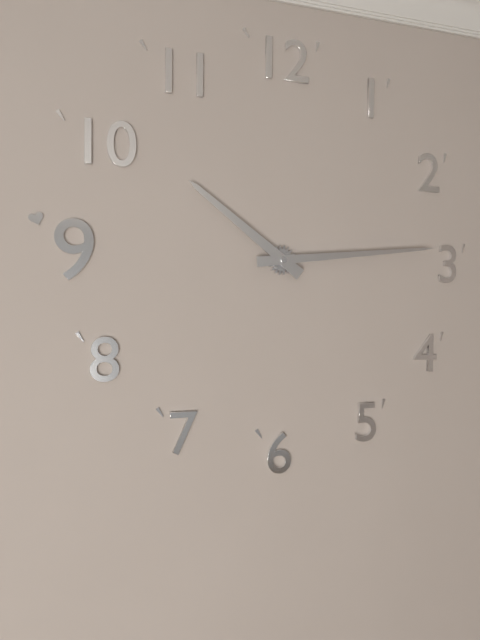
10.14
